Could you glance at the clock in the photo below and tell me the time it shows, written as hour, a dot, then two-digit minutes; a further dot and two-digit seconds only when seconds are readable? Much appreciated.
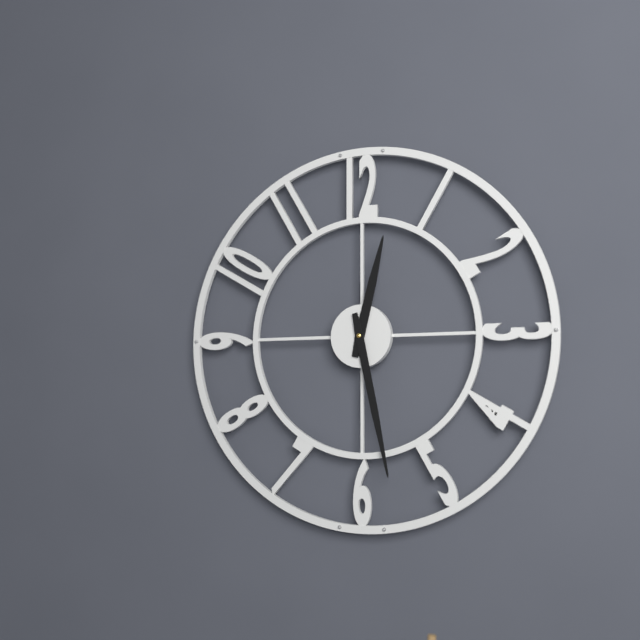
12.28
